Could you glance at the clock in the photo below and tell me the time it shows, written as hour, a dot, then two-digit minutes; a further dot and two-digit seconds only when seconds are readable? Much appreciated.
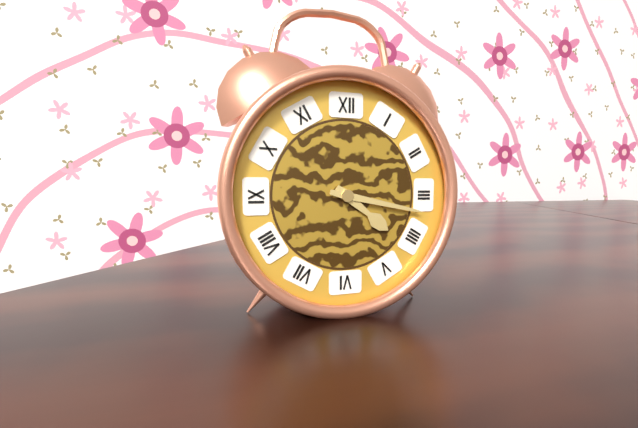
4.17
